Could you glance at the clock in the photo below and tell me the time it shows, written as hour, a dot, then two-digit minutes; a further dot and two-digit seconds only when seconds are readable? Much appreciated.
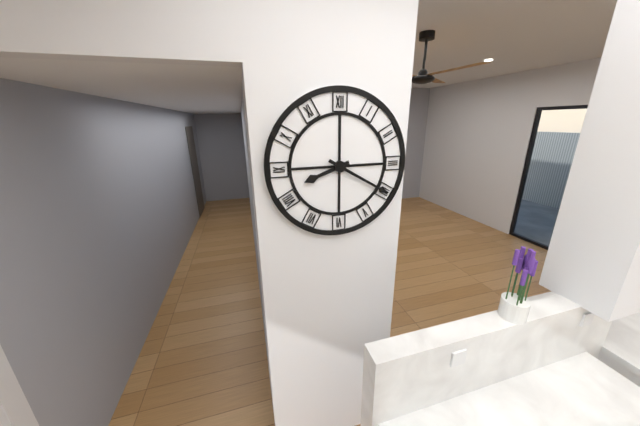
8.20
